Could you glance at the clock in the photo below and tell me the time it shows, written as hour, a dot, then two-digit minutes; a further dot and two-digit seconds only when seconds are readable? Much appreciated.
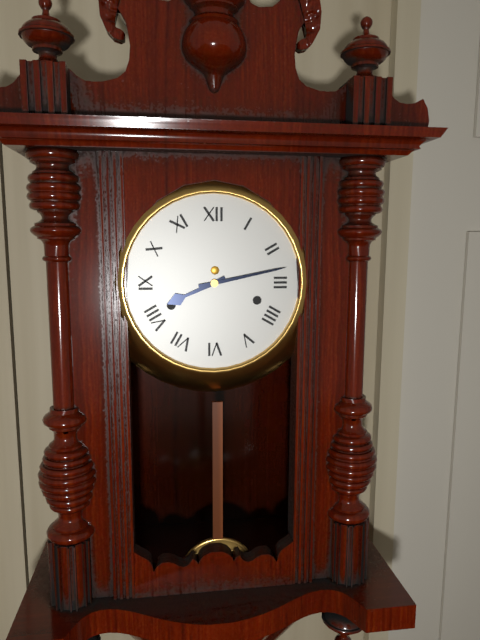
8.13
